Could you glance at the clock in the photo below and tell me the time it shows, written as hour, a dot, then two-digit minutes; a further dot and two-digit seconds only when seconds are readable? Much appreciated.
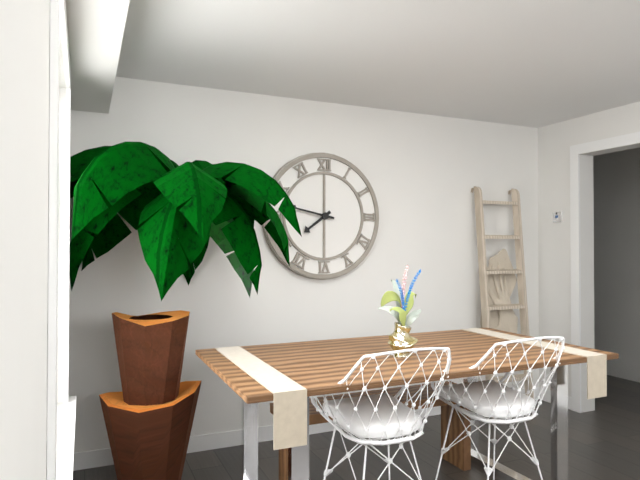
7.47
